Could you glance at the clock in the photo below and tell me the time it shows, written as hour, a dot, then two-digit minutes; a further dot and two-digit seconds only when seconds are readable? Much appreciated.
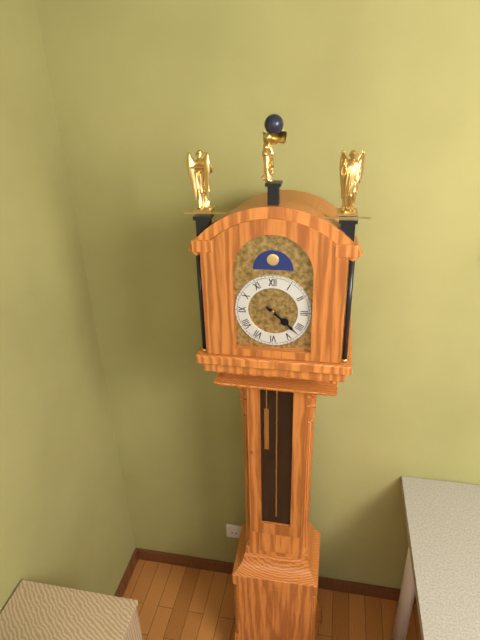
4.22
